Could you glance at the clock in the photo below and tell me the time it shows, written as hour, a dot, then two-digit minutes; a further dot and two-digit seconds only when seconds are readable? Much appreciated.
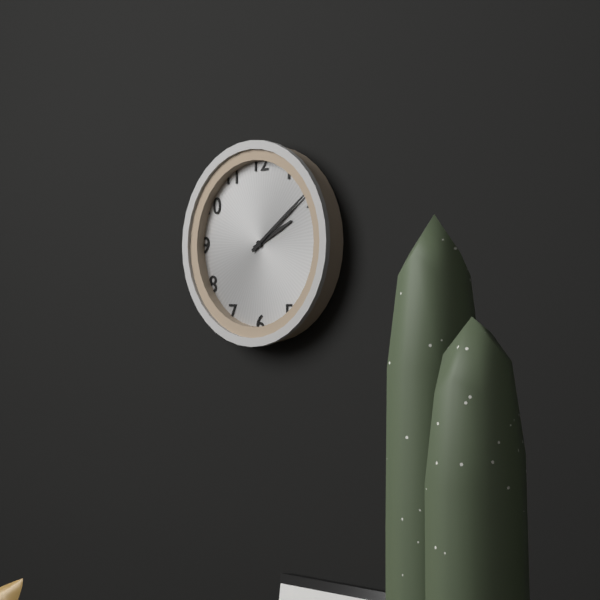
2.09
